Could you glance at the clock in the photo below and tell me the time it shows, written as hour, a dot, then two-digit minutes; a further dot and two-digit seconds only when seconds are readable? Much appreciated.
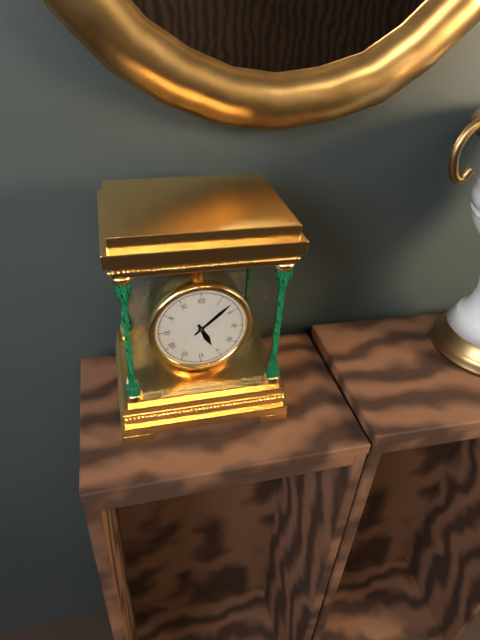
5.08
